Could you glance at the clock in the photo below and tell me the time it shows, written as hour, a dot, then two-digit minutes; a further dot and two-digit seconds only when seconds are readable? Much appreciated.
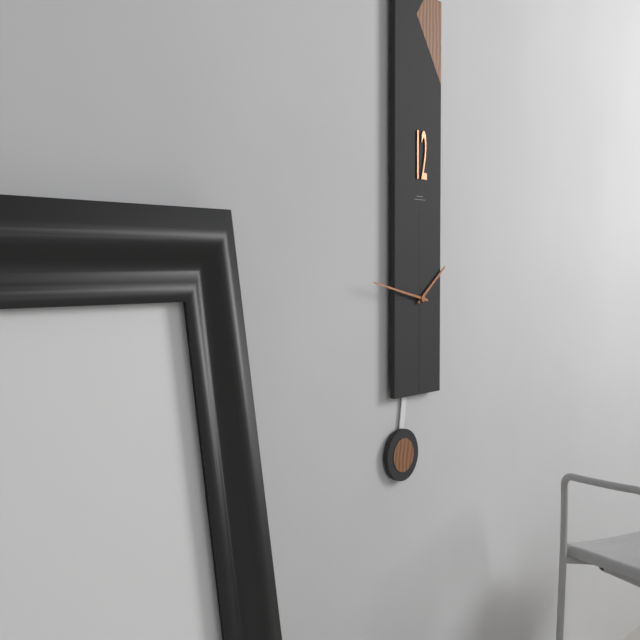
1.47
